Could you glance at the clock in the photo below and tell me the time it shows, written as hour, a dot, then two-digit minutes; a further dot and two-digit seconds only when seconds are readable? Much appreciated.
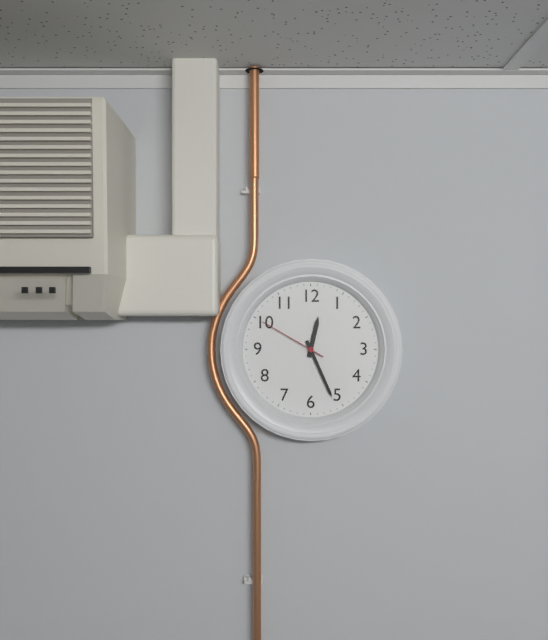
12.26.50
